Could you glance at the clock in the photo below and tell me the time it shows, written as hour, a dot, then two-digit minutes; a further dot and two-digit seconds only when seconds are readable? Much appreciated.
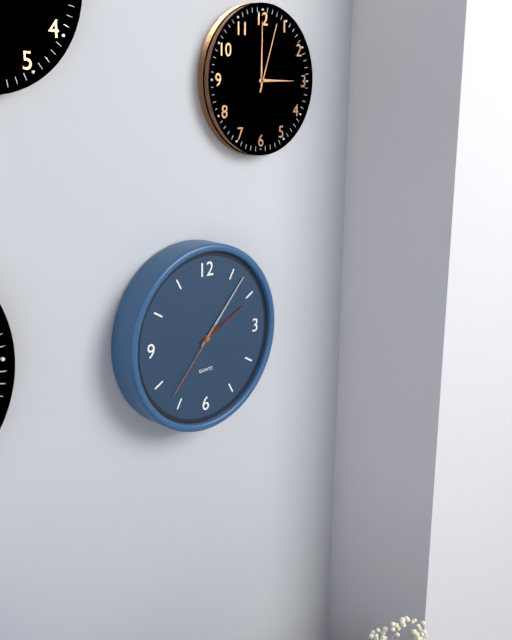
2.07.37
